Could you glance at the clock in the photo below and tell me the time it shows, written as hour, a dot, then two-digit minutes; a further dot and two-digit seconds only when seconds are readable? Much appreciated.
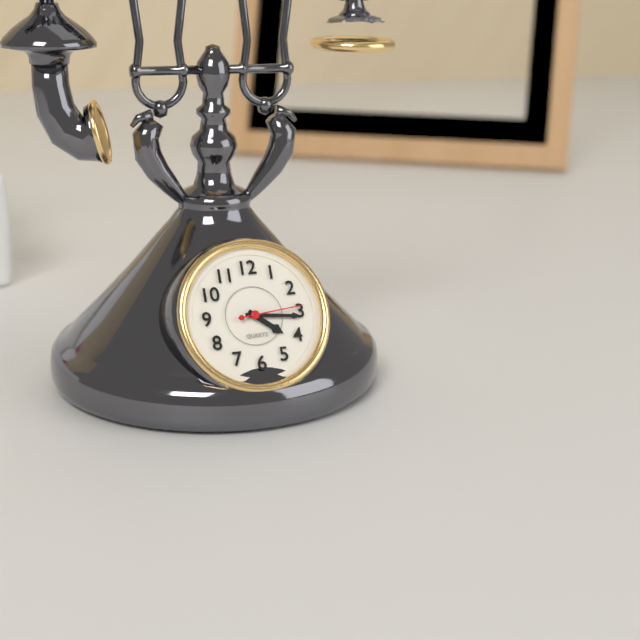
4.16.14
